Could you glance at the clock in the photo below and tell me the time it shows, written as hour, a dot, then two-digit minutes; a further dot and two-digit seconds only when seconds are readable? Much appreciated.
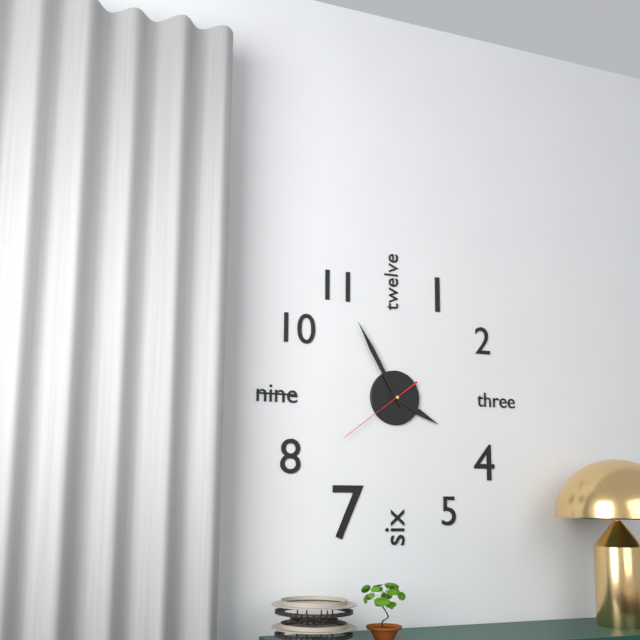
3.55.39
